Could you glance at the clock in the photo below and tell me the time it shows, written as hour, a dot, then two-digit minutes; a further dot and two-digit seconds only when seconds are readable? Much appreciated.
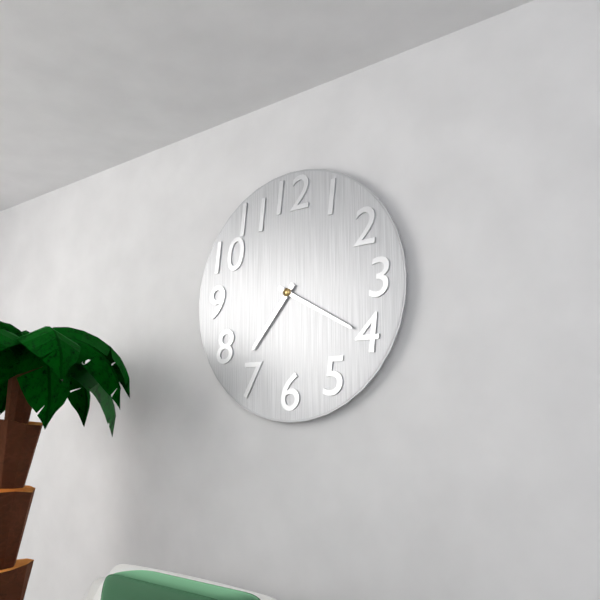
7.20
